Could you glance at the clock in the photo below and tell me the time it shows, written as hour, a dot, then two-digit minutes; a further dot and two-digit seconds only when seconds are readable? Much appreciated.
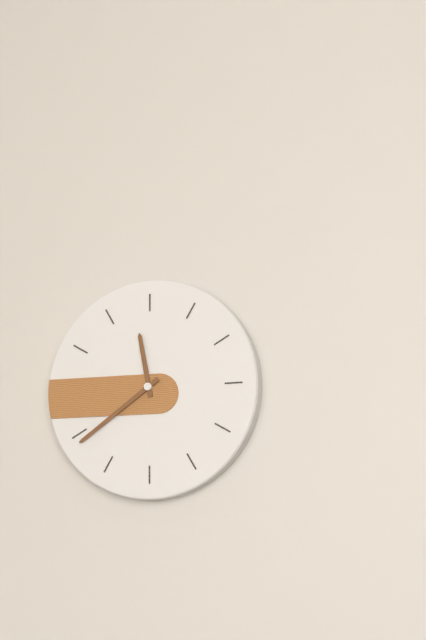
11.39
